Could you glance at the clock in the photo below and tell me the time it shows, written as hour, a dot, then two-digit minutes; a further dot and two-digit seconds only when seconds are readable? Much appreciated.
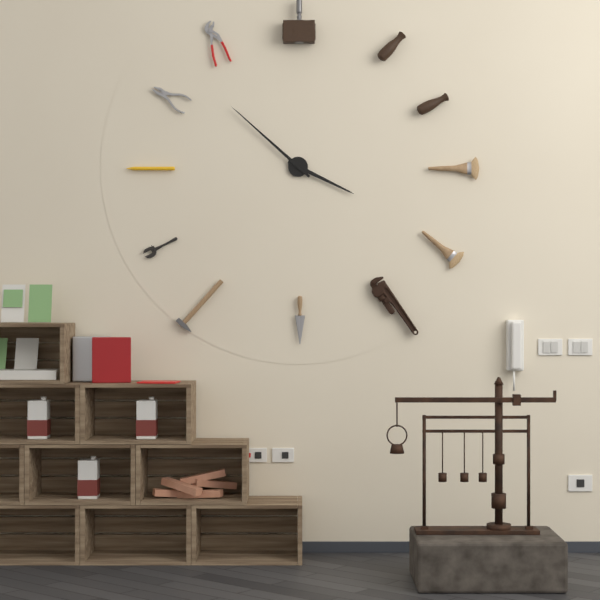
3.52
